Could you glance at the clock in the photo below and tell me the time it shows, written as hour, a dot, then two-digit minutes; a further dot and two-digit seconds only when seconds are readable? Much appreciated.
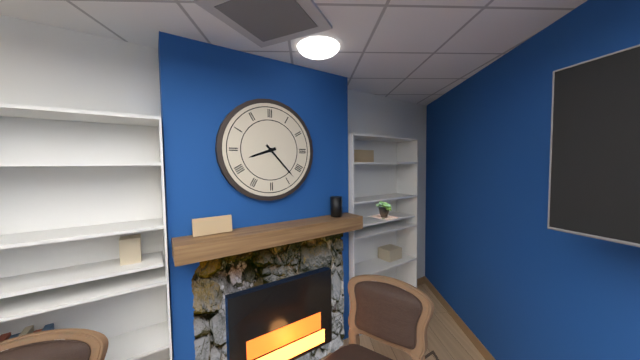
8.23
